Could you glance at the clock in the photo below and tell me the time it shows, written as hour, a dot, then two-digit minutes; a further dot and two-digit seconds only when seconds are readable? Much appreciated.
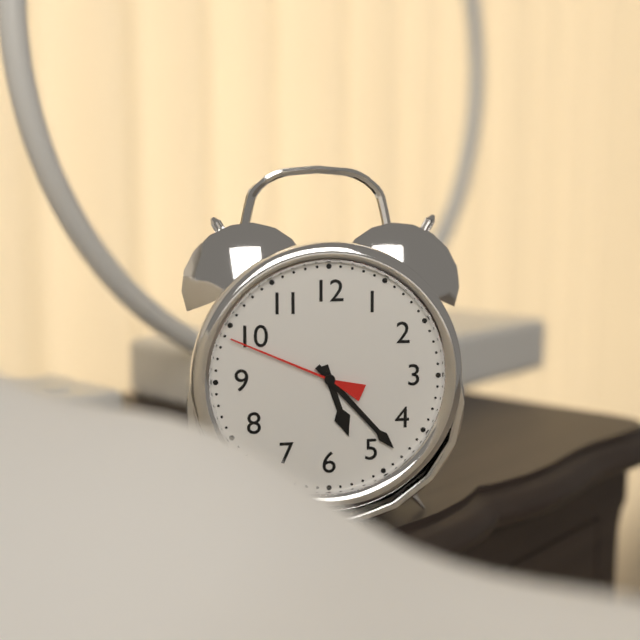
5.23.49
